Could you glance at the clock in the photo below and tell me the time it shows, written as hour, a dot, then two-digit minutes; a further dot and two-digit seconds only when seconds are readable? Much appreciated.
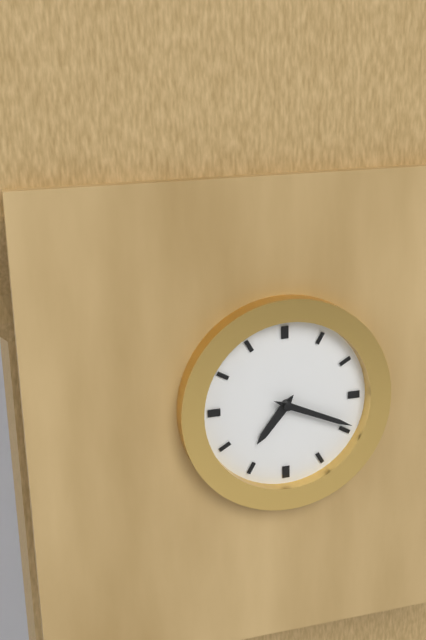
7.19
